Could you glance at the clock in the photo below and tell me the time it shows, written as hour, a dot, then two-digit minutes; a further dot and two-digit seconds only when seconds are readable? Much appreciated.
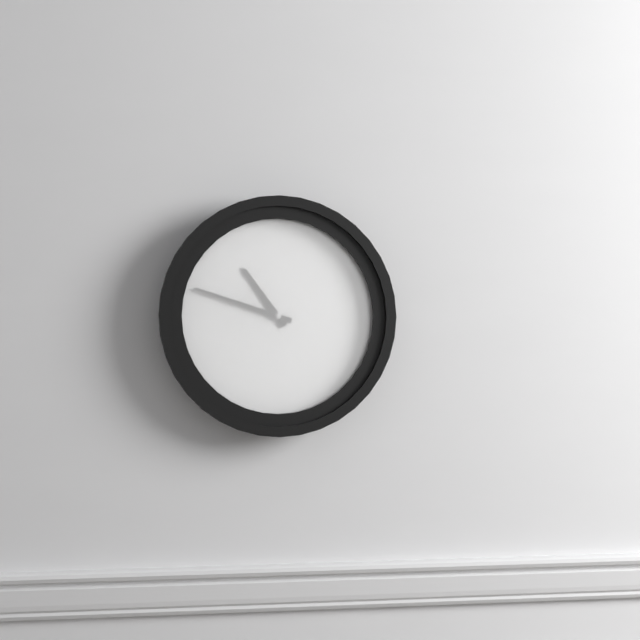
10.48
